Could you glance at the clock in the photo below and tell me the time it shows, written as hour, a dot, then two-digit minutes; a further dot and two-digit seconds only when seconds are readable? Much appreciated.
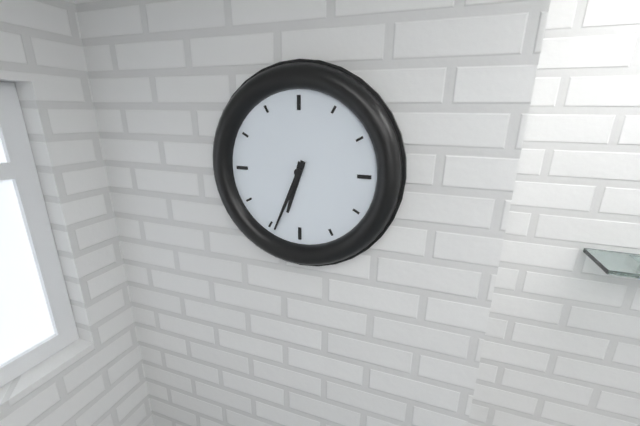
6.34
